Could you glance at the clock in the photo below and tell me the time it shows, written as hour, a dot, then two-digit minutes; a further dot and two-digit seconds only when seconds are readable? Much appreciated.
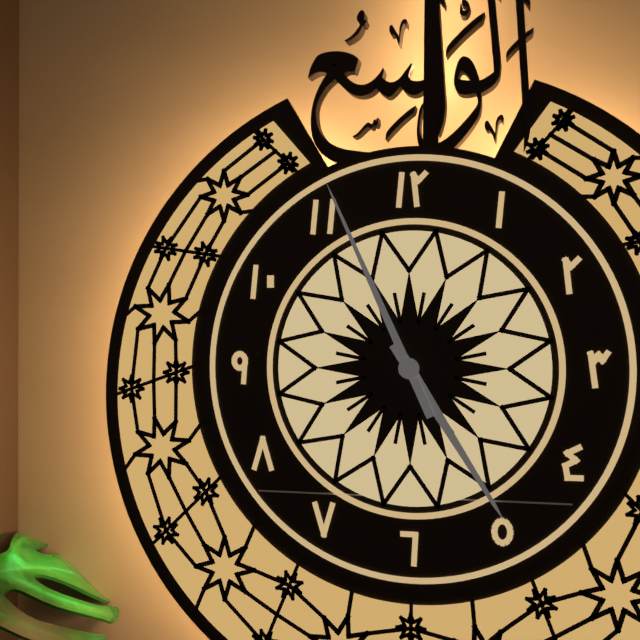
4.56
